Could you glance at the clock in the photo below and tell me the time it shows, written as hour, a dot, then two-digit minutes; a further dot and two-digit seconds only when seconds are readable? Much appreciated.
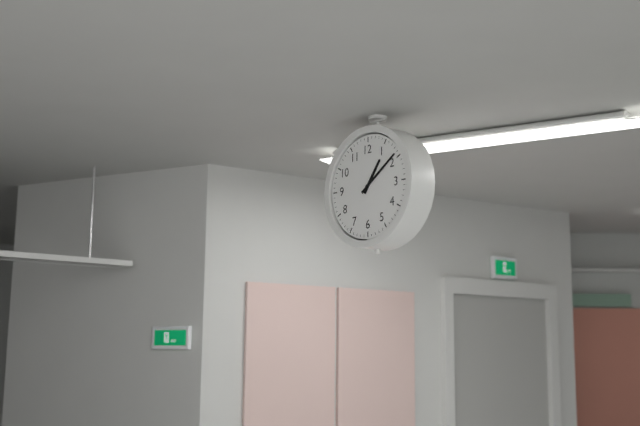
1.09
